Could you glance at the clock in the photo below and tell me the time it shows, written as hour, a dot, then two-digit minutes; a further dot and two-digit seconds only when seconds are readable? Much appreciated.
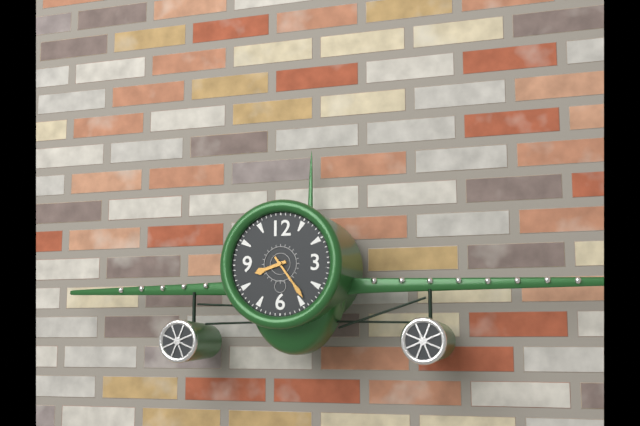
8.24
